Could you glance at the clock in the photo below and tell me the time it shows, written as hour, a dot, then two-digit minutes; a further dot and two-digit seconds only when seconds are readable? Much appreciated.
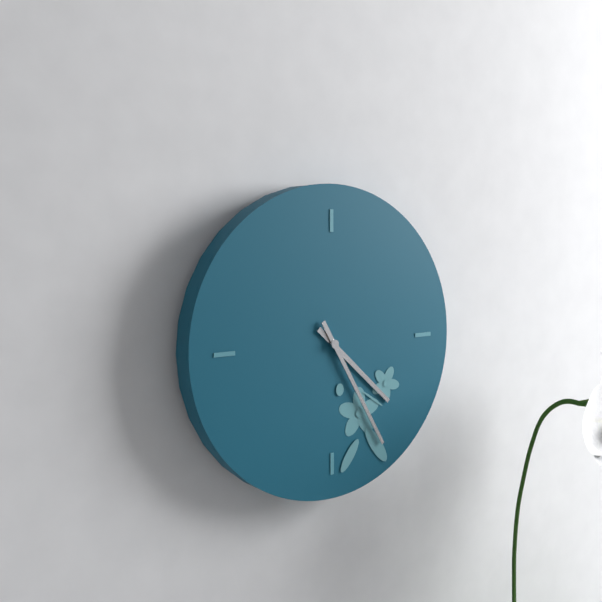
4.25
